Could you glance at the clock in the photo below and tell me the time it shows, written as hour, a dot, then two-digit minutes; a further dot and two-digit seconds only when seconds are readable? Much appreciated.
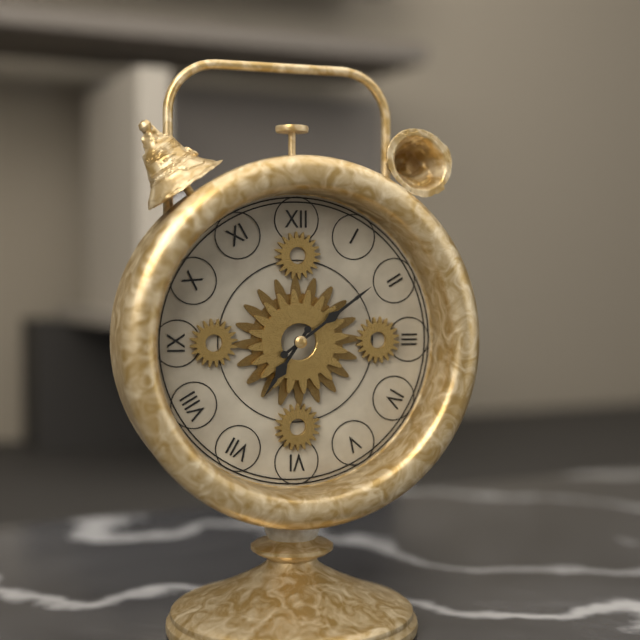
7.09
